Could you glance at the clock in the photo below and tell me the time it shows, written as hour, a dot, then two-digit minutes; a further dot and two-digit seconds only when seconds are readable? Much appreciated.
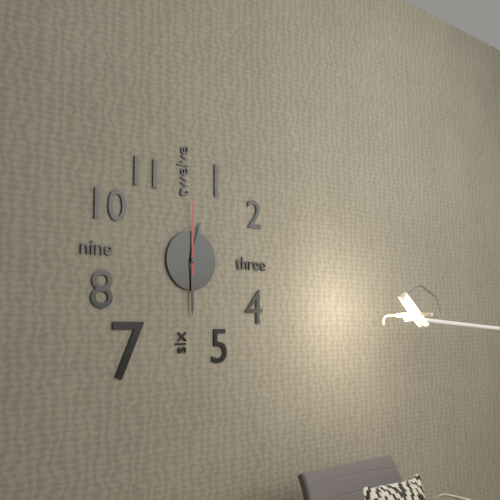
12.30.00
